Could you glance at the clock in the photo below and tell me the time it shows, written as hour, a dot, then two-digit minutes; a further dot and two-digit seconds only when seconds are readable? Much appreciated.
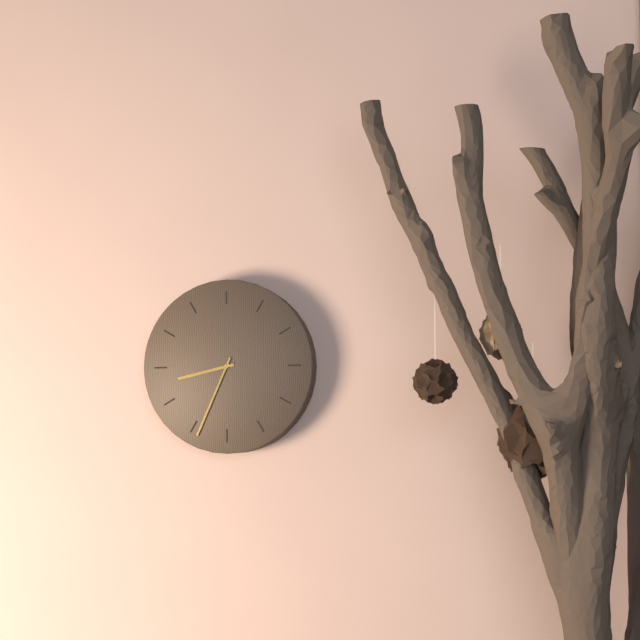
8.34
